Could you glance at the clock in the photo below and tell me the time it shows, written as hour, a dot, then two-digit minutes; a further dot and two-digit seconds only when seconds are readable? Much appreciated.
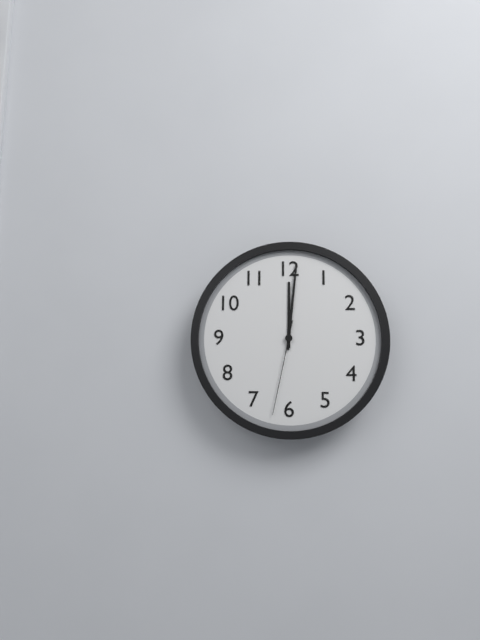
12.01.32
